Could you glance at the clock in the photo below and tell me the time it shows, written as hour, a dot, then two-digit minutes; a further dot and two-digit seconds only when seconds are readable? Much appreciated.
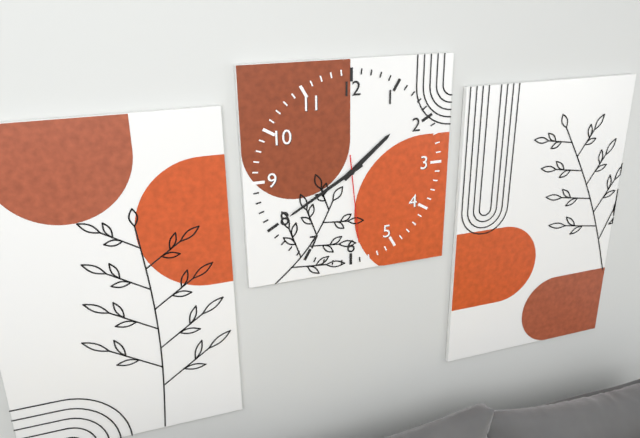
1.40.29
